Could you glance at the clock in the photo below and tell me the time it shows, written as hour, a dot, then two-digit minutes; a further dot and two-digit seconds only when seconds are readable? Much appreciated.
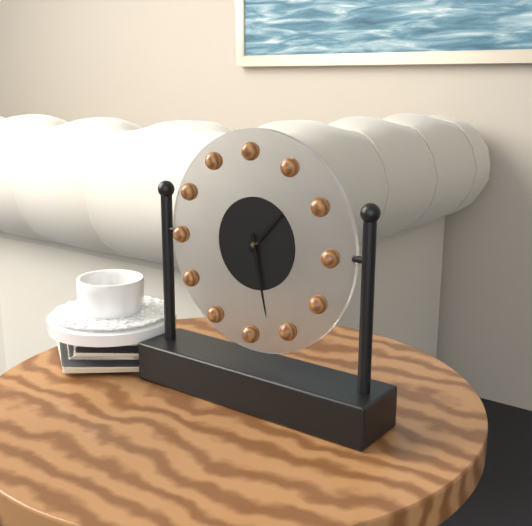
1.28
